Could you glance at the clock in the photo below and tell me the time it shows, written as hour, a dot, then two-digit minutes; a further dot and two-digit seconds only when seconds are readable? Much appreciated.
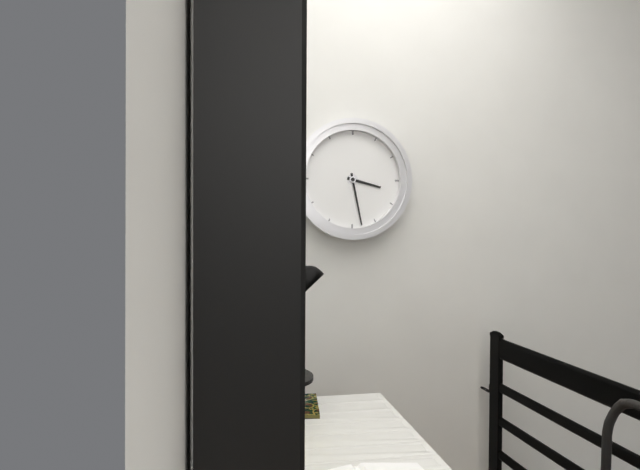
3.28
